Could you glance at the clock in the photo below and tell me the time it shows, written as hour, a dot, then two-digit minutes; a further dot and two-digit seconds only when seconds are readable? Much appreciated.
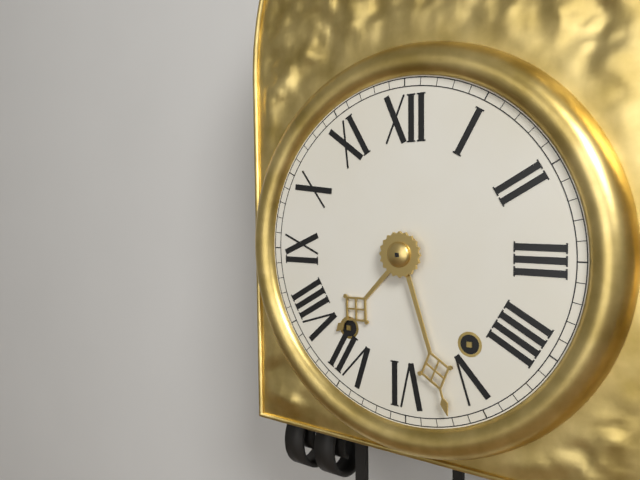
7.27
